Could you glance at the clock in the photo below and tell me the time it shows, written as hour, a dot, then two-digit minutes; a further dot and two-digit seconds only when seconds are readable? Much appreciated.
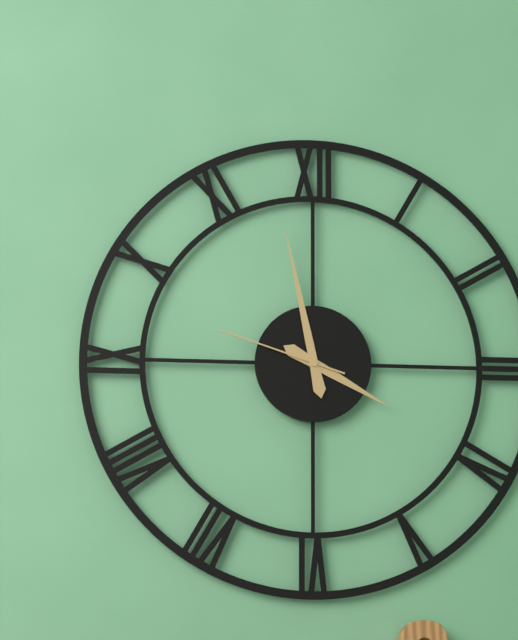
3.58.48
